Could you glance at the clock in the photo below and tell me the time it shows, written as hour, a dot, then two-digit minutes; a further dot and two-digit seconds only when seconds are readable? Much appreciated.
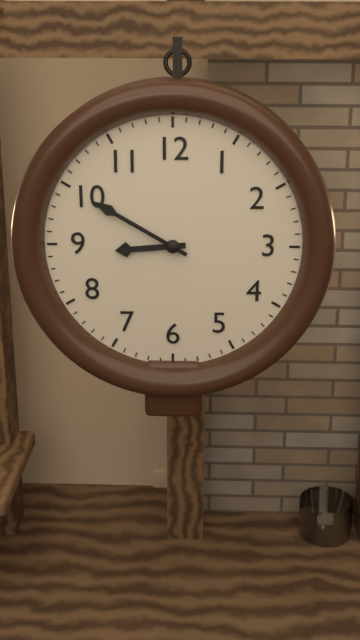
8.50
